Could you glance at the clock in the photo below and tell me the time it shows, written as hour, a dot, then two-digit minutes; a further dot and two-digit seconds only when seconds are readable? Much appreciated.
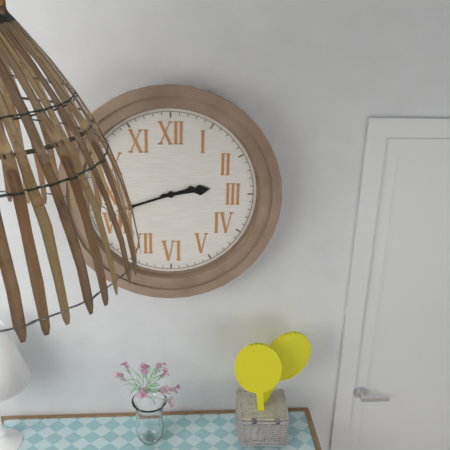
2.42
